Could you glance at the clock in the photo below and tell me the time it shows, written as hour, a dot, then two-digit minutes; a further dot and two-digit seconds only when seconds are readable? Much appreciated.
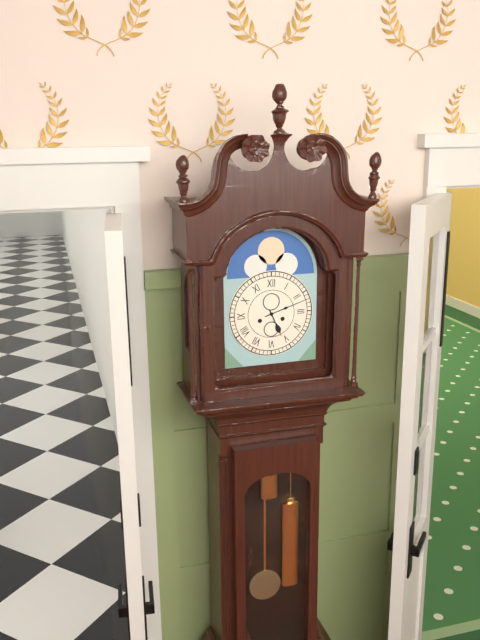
5.12
